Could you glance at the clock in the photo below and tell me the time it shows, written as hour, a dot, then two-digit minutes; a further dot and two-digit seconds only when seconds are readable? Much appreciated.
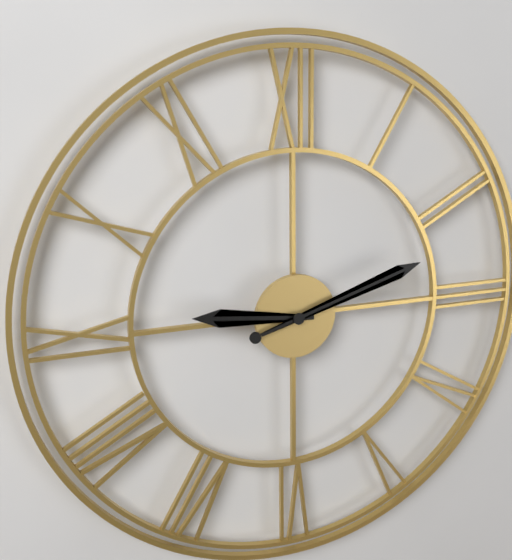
9.12
